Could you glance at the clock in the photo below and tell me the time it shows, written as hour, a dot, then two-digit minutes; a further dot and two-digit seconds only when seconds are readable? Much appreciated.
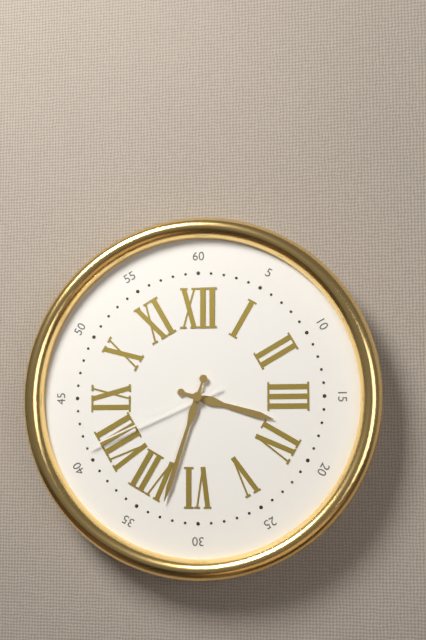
3.33.41
